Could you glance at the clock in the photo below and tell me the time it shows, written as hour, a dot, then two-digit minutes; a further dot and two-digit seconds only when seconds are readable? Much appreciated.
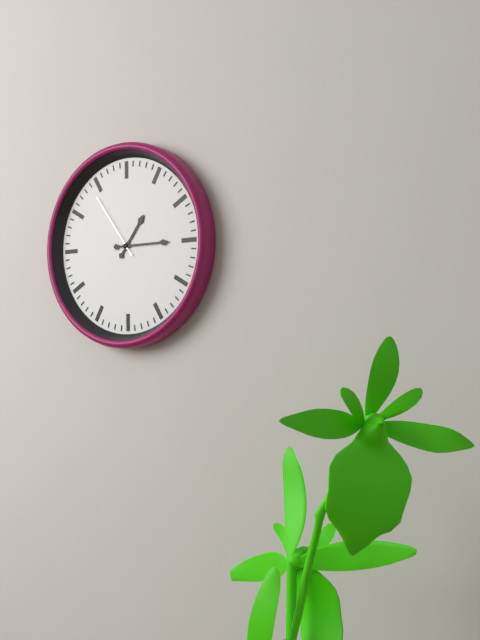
1.15.54
